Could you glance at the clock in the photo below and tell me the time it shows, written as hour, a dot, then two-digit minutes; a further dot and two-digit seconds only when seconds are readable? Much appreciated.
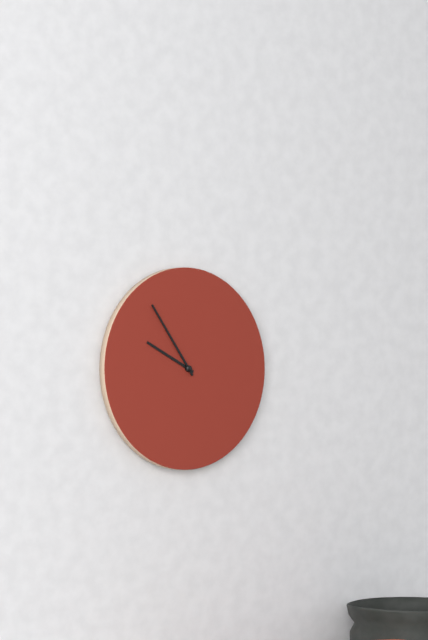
9.54
